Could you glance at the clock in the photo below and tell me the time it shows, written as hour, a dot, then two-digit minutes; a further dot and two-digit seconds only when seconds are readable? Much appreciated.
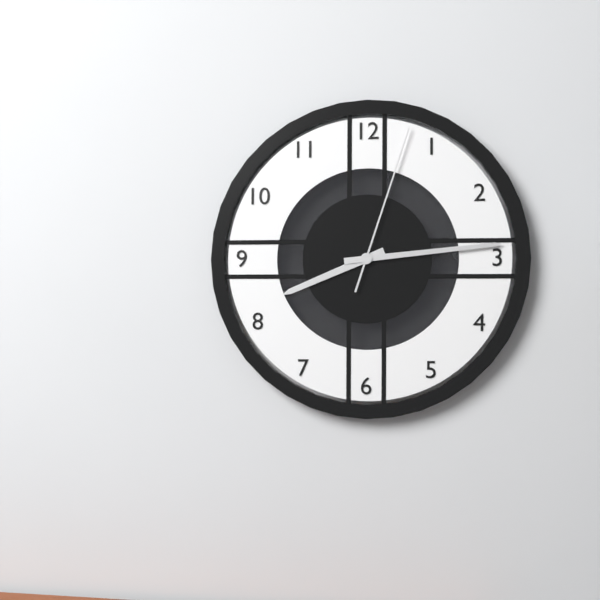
8.14.03
